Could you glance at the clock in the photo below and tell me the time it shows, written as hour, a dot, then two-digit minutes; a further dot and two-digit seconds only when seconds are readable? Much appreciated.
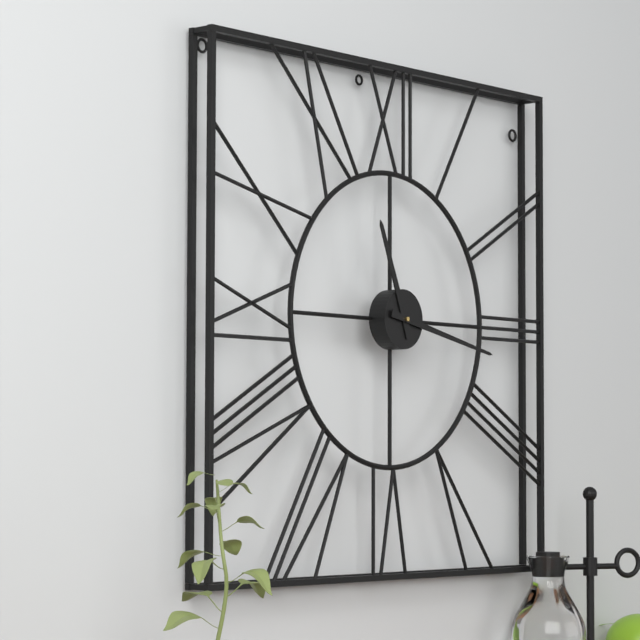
11.17
